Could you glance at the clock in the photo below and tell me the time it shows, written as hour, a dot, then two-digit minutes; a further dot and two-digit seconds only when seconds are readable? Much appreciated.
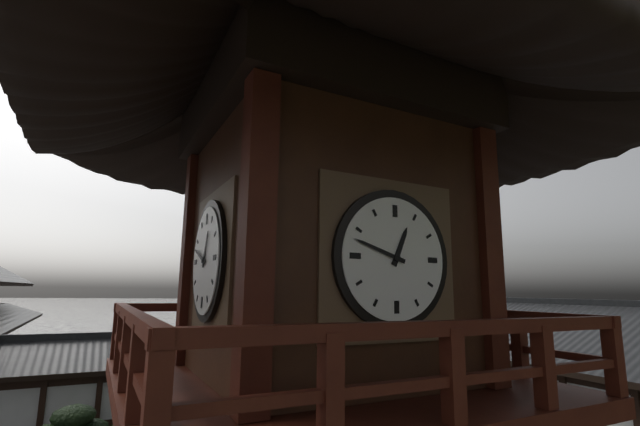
12.48
